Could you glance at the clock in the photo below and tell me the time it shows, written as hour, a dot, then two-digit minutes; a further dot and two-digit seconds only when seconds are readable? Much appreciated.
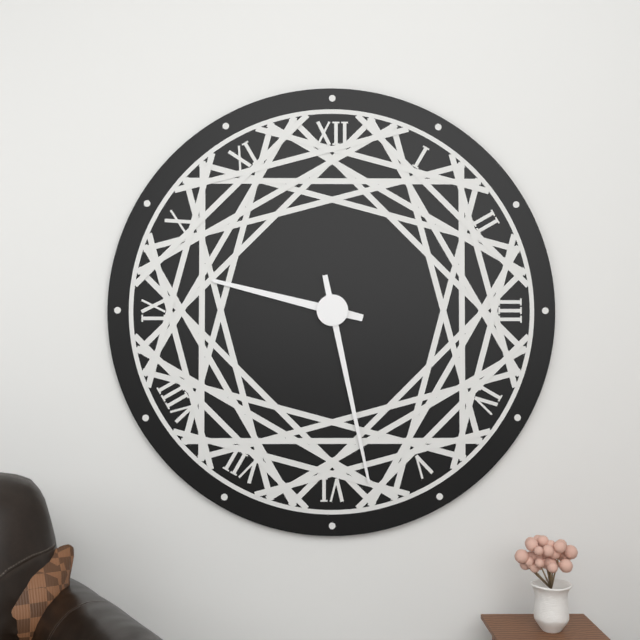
9.28
